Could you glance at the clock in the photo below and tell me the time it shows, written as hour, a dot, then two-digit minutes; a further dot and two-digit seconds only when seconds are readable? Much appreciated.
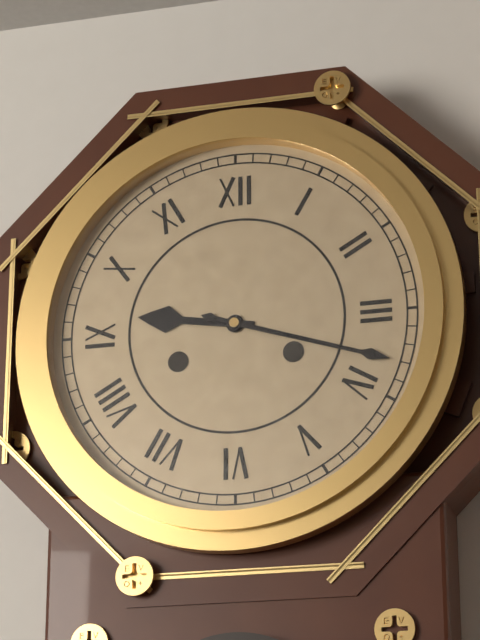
9.18
